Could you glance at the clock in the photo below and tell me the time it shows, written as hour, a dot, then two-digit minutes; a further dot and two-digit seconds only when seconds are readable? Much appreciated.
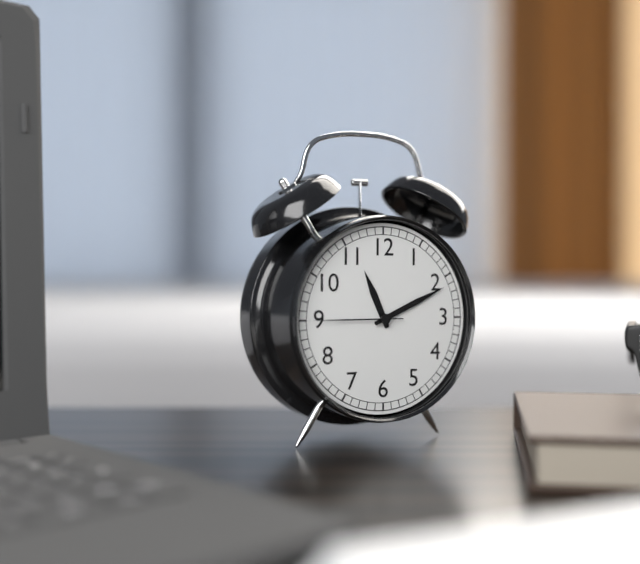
11.11.45
